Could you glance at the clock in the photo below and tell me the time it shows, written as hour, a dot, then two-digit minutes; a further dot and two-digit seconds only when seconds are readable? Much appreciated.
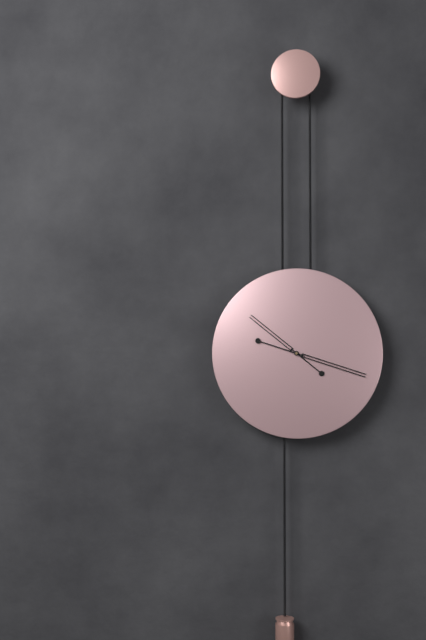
10.18
